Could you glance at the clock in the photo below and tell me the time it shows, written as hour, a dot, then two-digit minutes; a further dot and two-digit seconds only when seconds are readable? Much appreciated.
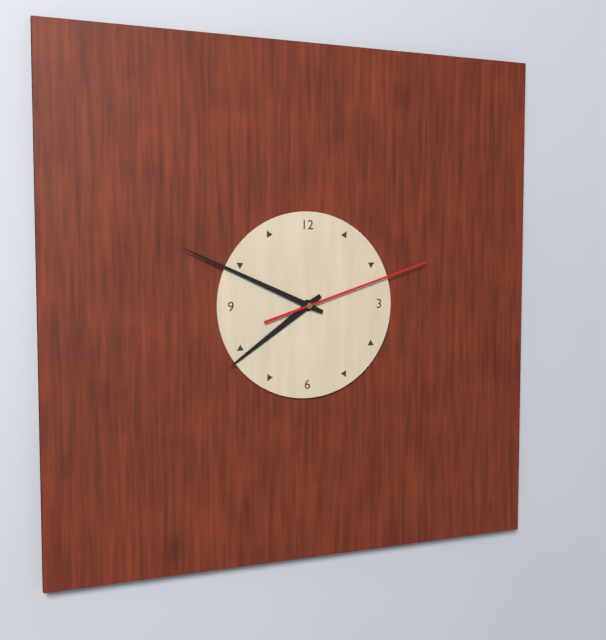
7.49.12
